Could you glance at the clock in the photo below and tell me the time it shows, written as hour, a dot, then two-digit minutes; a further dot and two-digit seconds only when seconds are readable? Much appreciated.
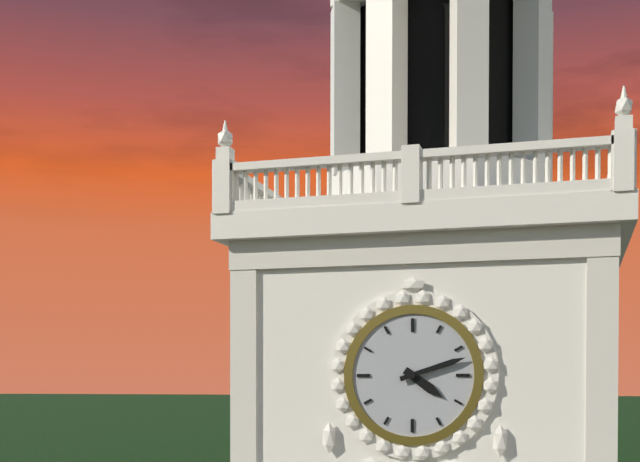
4.12
